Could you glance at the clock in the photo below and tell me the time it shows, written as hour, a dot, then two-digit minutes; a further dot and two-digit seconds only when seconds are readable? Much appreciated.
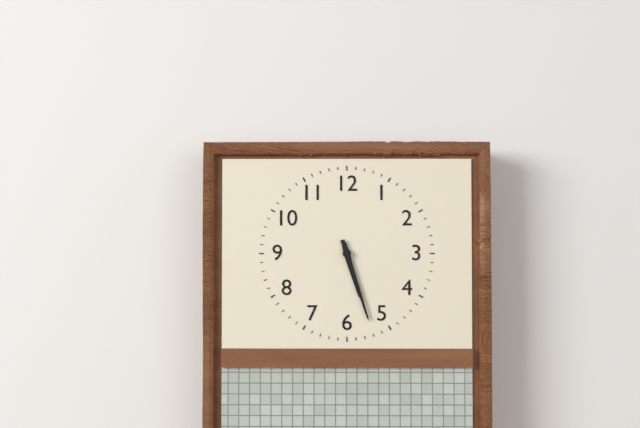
5.27
